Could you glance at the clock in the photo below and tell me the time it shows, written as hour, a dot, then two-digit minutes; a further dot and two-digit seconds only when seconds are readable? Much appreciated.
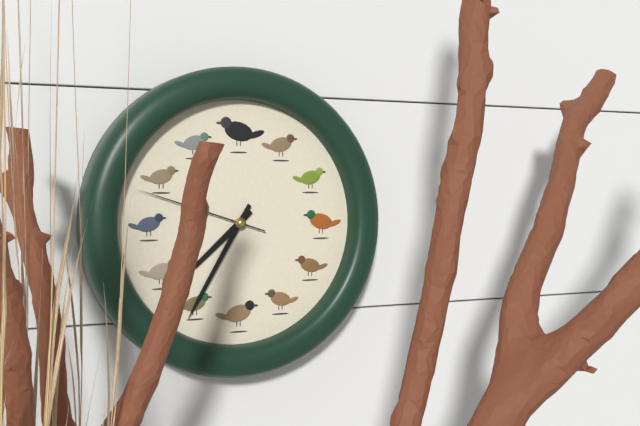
7.35.48
